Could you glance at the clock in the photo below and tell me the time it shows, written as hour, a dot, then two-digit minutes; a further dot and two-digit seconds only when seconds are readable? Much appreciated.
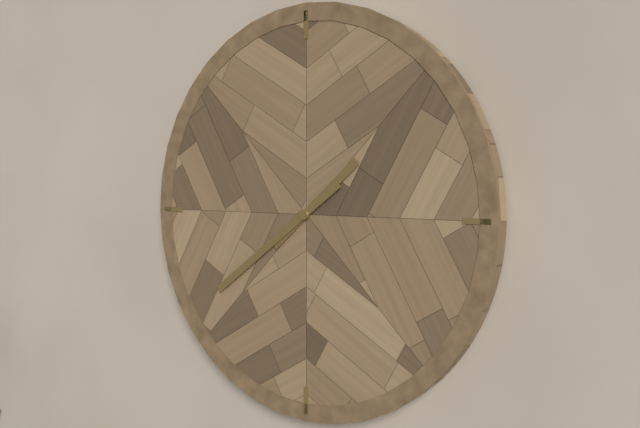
1.39
